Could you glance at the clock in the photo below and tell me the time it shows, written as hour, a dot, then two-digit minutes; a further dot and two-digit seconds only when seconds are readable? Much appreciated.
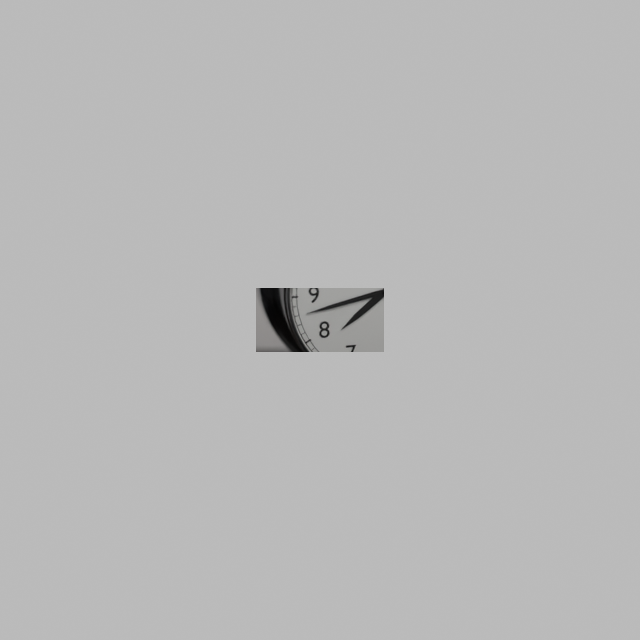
7.43.43
